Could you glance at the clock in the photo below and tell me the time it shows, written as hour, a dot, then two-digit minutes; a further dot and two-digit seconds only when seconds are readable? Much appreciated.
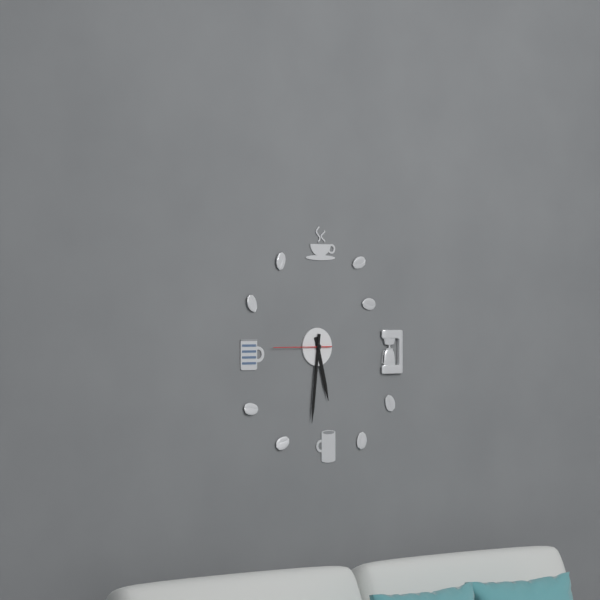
5.31.45
